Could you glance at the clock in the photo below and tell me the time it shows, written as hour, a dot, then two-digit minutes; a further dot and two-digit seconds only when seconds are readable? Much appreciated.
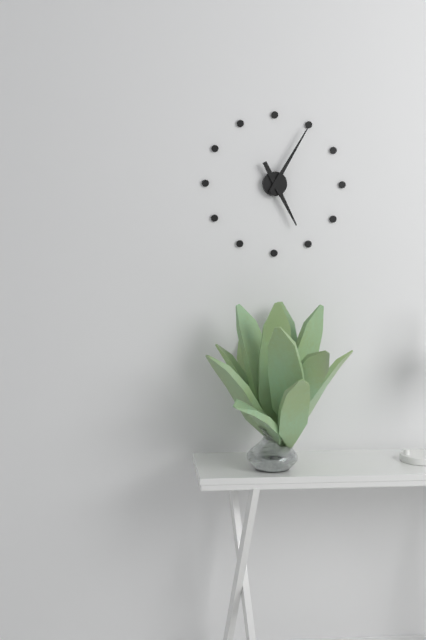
5.05
